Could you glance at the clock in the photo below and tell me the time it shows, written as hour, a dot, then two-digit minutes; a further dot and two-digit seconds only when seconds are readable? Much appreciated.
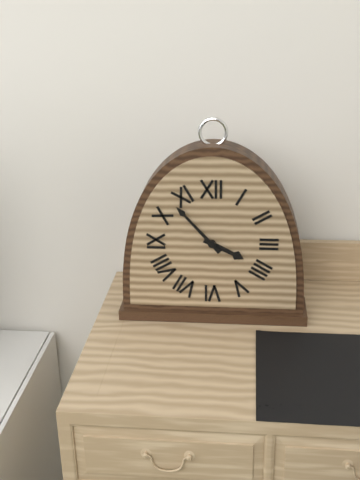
3.53
